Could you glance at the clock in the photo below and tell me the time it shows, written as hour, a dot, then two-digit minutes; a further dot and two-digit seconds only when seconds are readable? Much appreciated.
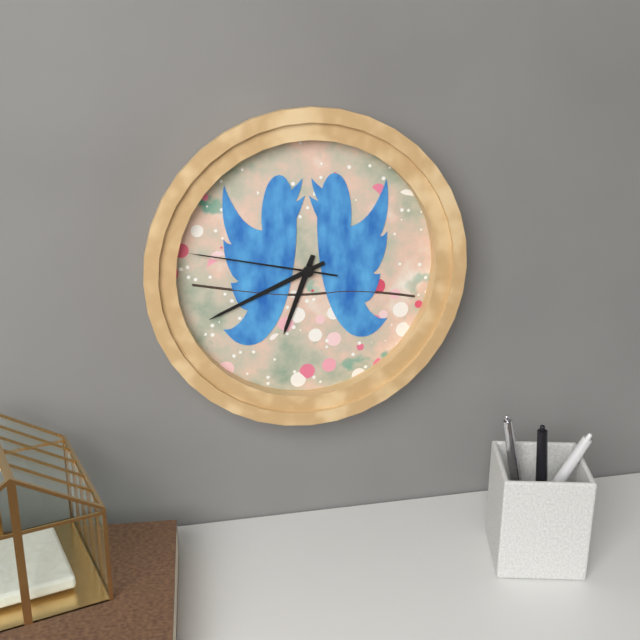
6.41.47
